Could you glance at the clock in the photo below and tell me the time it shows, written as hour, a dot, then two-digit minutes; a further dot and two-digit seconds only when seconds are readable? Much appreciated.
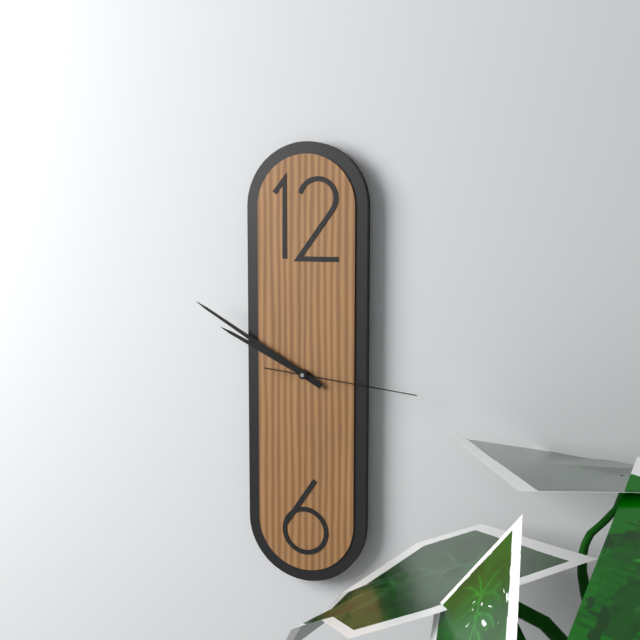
9.50.16
